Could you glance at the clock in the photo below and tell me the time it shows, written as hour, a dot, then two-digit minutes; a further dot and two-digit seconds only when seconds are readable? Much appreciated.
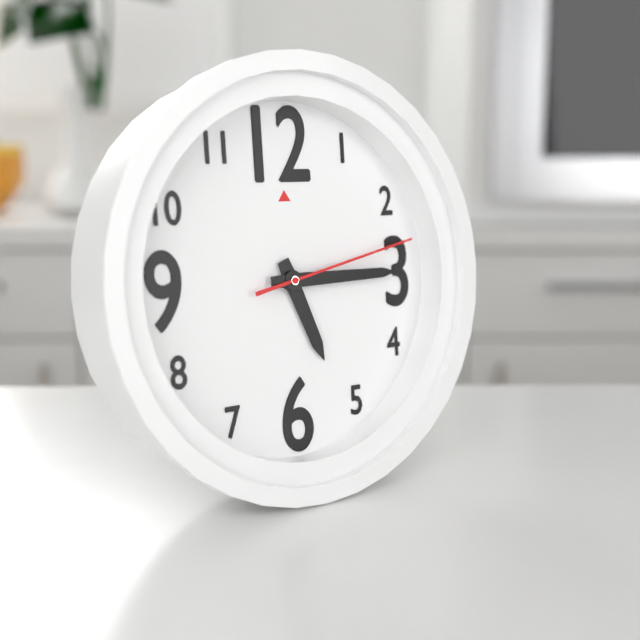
5.15.13
